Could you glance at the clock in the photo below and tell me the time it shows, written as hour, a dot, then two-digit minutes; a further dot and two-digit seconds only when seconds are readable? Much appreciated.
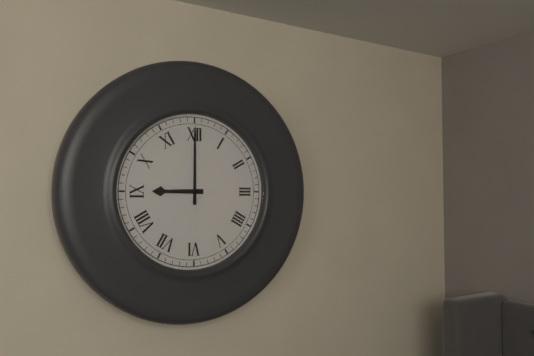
9.00
